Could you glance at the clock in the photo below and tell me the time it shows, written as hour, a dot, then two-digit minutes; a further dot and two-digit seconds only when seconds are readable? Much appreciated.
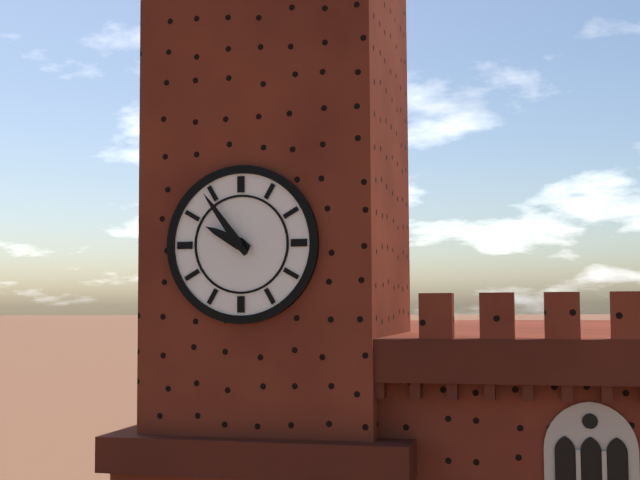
9.54
